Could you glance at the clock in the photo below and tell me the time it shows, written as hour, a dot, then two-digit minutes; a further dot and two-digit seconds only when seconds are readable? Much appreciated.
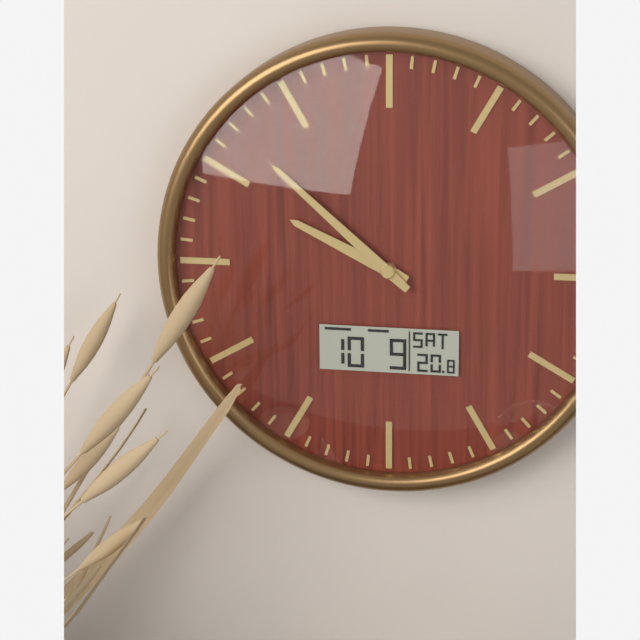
9.52
